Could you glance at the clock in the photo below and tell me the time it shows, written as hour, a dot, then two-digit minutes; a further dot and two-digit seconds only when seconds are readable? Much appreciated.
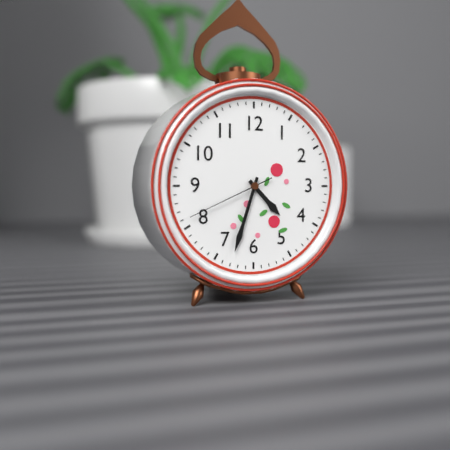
4.33.41
